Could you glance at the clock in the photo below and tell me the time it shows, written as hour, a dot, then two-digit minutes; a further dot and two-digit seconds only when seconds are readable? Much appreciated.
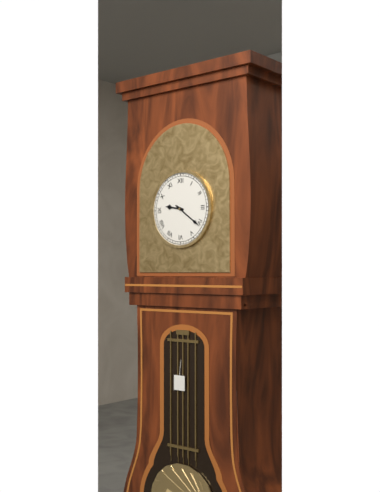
9.21
